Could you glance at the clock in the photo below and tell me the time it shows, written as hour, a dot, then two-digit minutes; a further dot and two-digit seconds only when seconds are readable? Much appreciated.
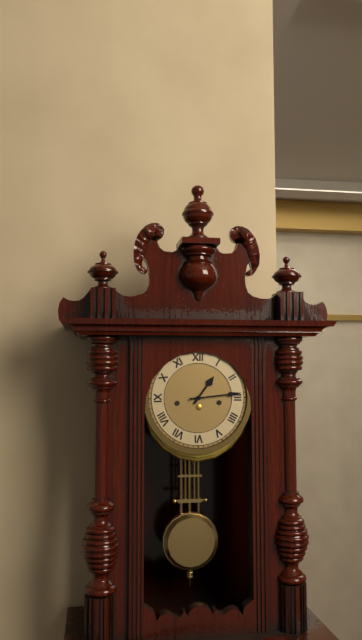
1.14
